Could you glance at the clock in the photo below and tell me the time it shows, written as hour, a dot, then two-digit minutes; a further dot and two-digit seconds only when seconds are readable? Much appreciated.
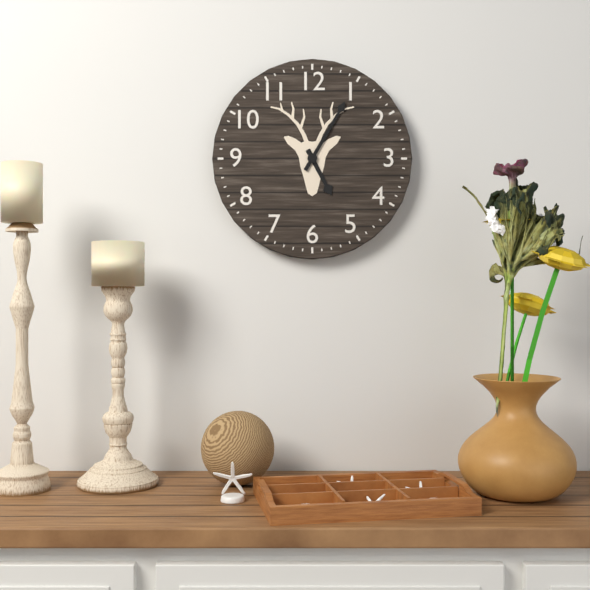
5.05
